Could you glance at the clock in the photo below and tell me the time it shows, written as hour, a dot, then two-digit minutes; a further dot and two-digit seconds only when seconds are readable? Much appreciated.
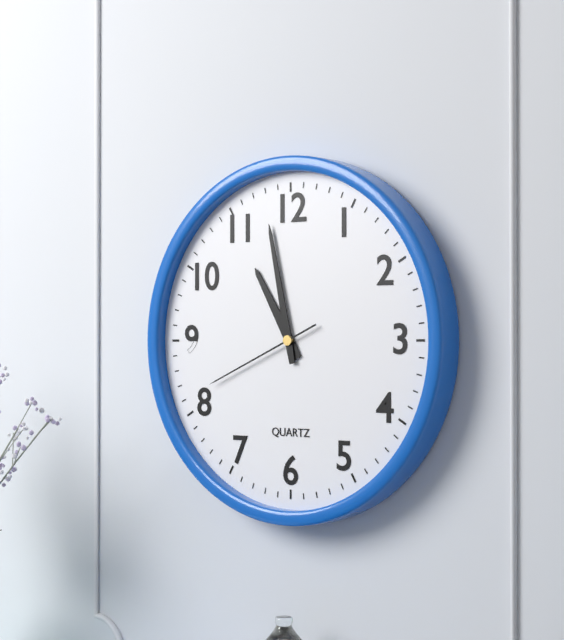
10.58.41
